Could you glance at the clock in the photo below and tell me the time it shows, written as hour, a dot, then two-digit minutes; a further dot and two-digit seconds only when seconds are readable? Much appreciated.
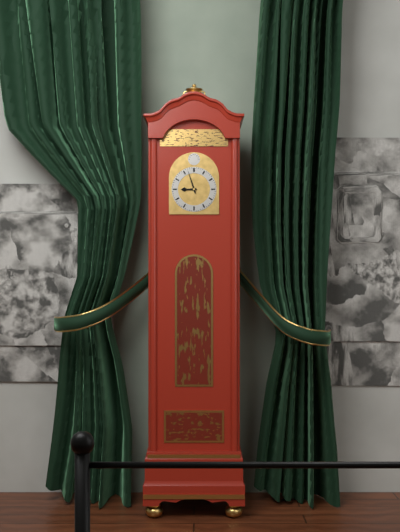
8.57
